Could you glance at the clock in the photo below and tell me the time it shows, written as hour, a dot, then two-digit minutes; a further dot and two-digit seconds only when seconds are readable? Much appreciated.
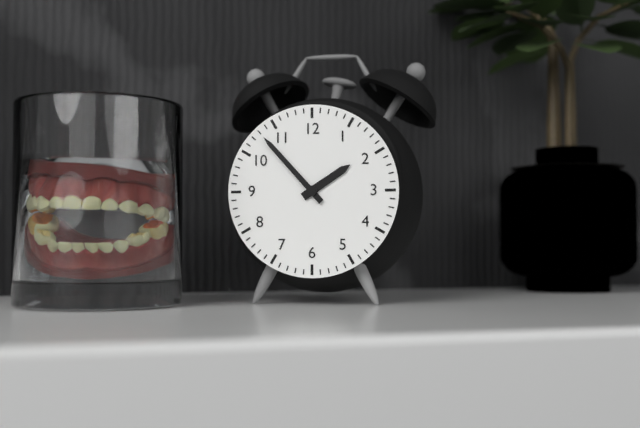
1.53
